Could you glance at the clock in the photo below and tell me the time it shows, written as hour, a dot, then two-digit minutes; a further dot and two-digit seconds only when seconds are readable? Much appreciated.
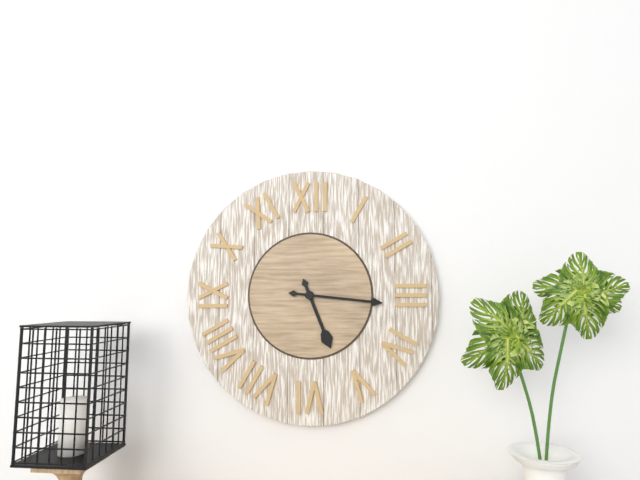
5.16
